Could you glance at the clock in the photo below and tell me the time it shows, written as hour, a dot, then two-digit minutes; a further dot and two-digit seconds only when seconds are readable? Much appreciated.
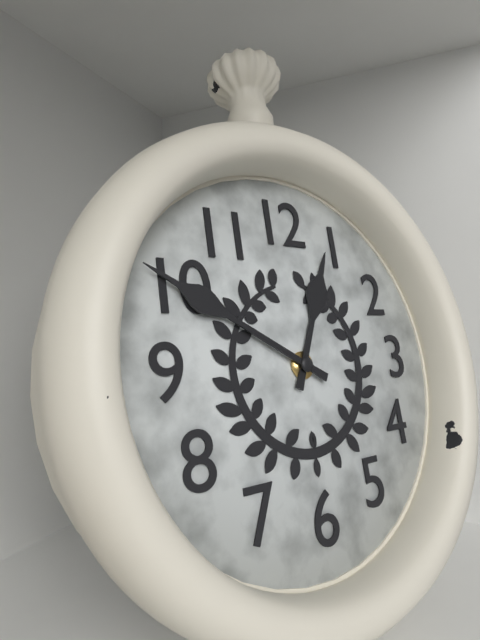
12.50
